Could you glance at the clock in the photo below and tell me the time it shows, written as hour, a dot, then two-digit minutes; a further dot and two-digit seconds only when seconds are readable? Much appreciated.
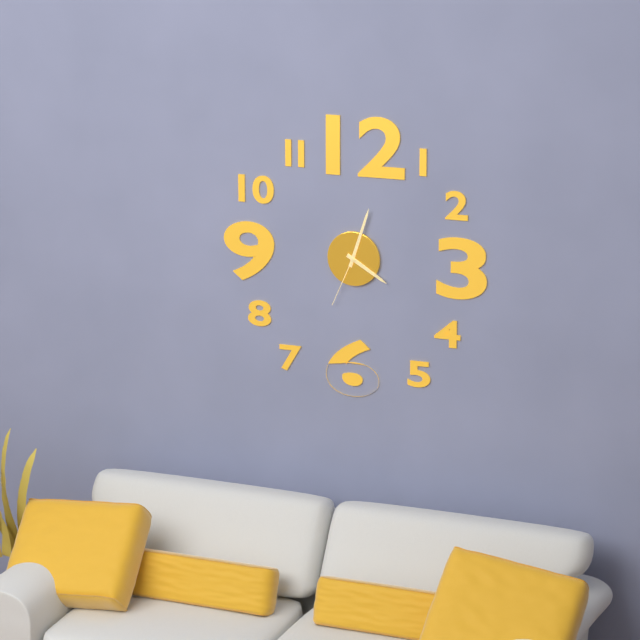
4.03.34
